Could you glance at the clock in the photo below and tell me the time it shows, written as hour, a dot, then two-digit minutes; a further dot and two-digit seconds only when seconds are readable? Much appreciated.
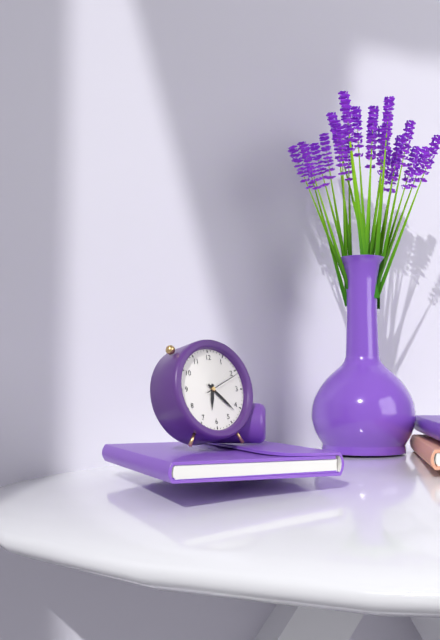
6.22
